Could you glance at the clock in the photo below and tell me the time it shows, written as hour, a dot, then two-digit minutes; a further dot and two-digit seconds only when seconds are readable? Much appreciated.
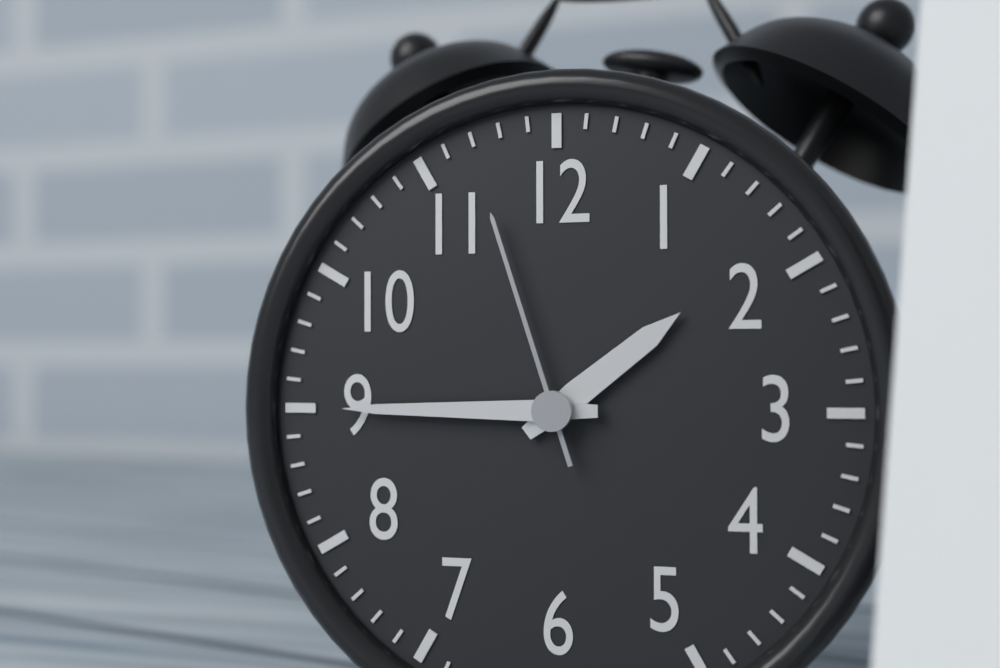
1.45.57
